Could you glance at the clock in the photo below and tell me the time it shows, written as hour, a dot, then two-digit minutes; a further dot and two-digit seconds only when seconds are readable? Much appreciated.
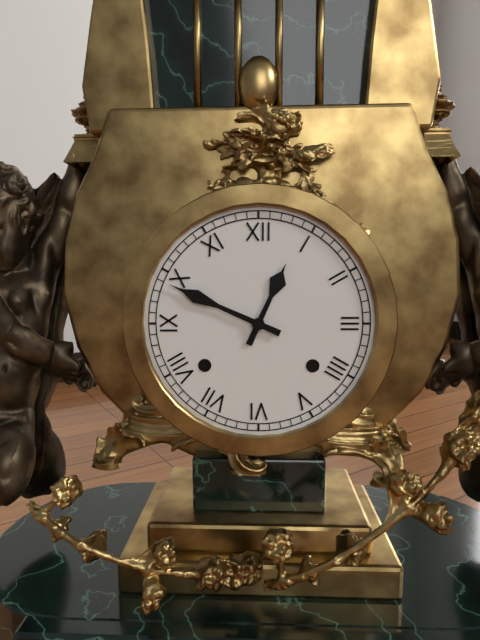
12.49
